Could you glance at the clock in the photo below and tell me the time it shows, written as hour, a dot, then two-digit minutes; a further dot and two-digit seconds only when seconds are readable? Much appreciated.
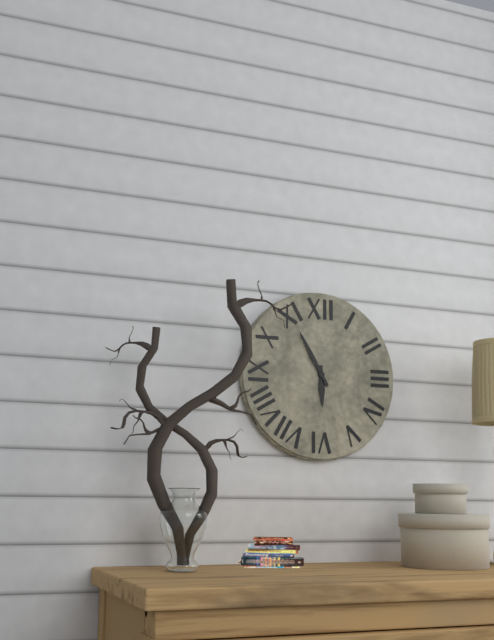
5.55
